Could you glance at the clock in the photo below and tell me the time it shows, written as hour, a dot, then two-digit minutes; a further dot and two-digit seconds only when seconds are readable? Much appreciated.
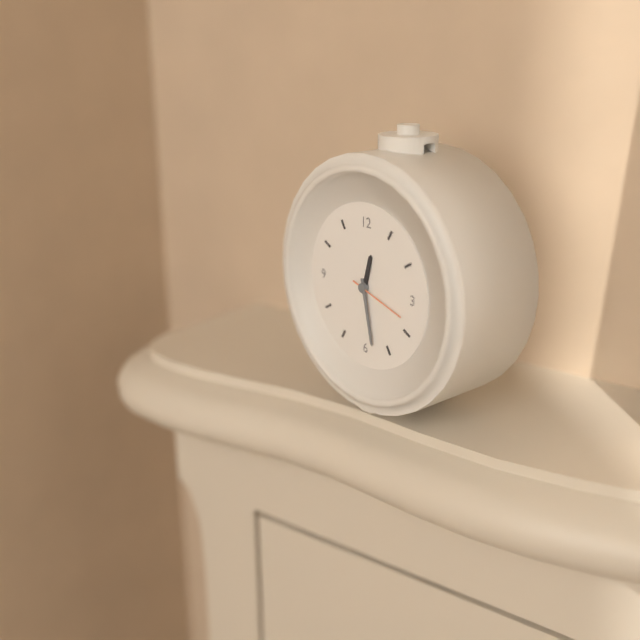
12.28.18
